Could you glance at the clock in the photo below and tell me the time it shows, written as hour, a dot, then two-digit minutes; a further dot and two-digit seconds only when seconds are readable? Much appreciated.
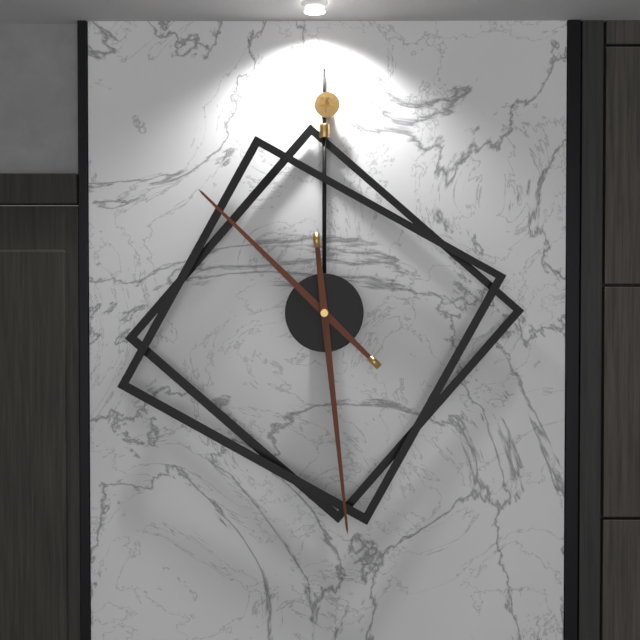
10.29
